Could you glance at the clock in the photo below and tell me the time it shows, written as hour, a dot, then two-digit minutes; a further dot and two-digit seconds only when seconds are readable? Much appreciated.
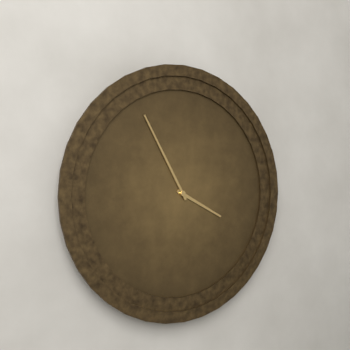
3.55
